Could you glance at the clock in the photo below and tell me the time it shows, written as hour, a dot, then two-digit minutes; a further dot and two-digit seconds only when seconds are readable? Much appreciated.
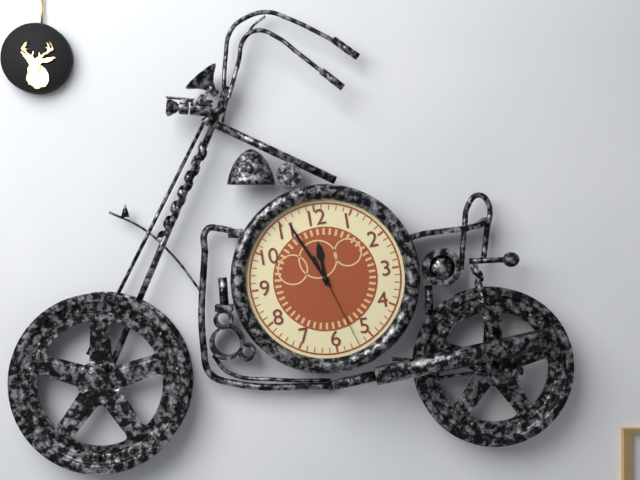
11.56.27
